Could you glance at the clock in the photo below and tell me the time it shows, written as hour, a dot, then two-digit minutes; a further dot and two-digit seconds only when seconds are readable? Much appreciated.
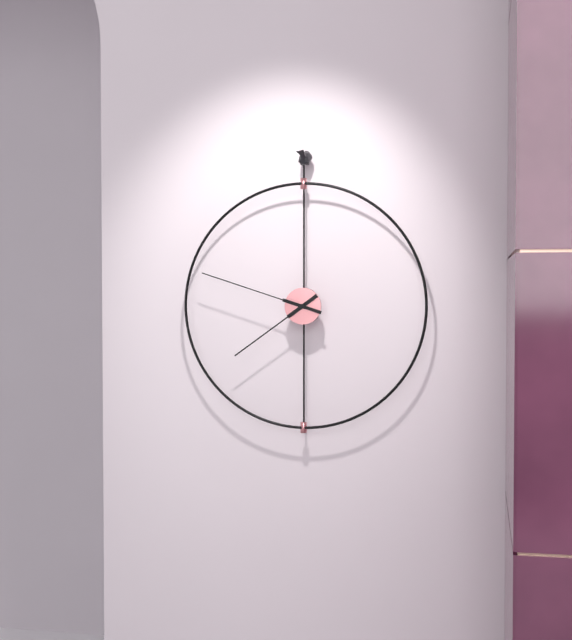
7.48
